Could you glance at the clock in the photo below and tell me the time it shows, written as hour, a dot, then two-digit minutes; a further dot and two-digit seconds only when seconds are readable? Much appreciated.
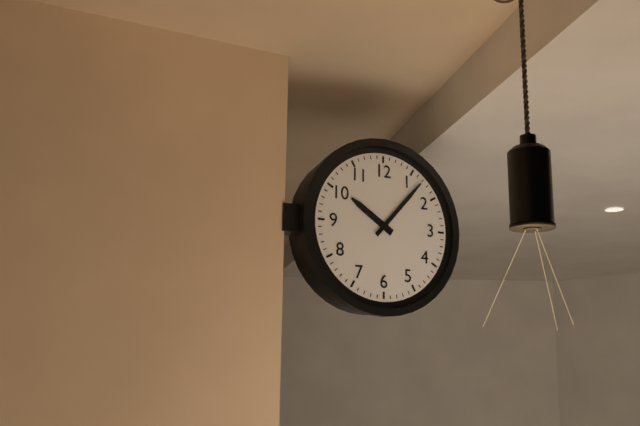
10.07
